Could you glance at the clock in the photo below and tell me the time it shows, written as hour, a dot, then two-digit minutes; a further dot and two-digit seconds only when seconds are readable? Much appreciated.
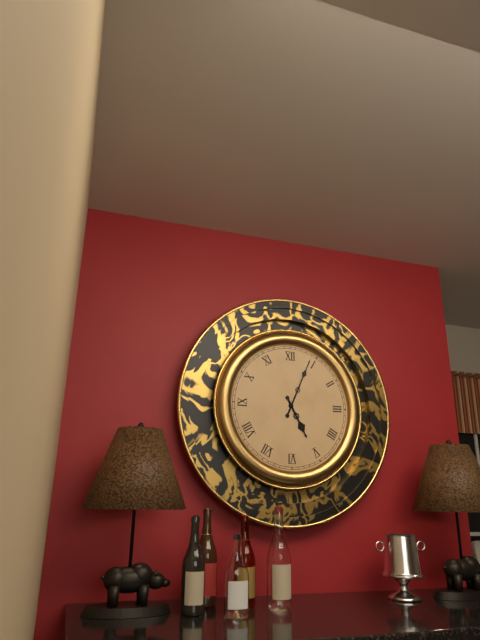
5.04
